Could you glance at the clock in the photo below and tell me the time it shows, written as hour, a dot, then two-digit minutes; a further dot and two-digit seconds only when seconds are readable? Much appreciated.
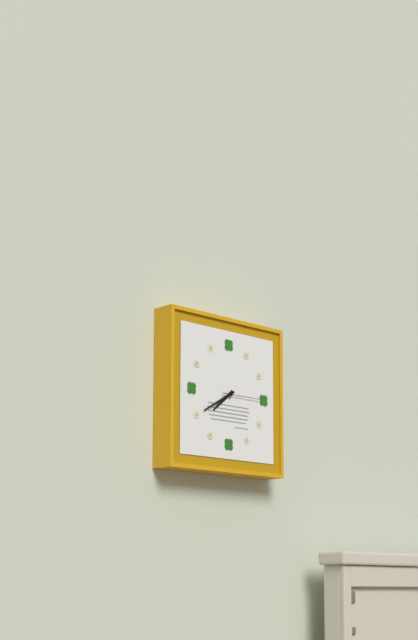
7.40
